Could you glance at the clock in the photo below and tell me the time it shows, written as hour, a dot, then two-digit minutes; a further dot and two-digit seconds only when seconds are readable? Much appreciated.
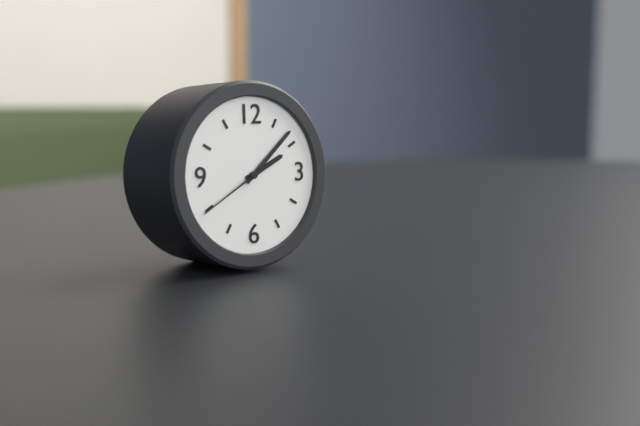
2.08.40
